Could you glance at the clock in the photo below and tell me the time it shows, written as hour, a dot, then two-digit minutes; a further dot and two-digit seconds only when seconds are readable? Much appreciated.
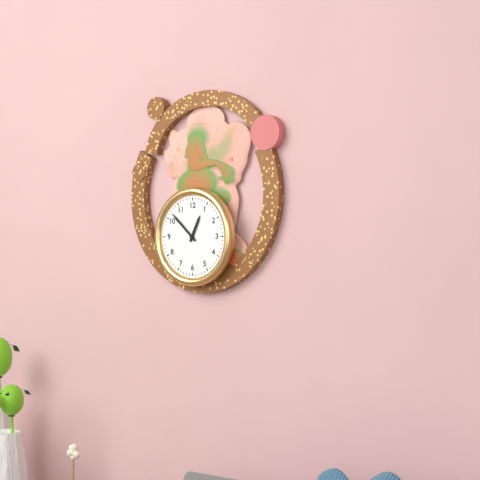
12.52
